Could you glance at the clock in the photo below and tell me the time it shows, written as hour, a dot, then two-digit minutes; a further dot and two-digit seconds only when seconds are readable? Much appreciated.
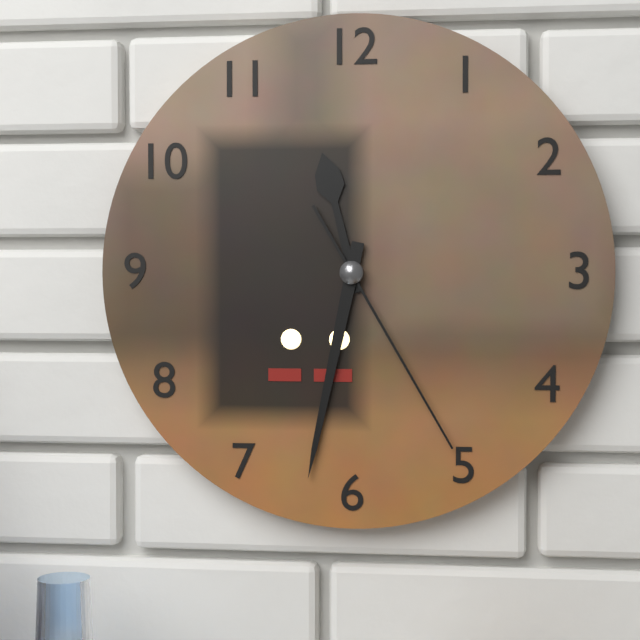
11.32.25
